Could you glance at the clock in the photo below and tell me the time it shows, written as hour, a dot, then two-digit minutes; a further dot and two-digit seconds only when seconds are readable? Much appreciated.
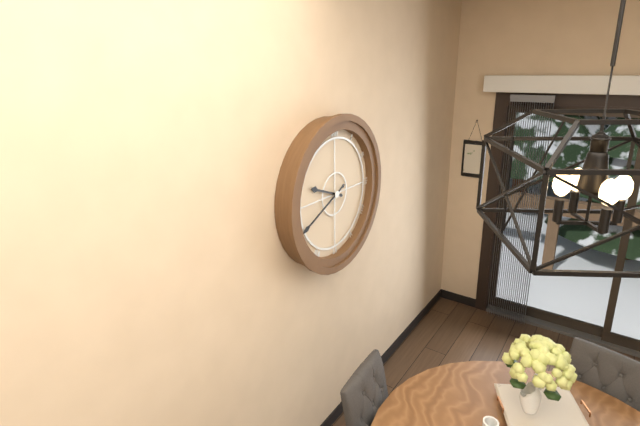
9.41
